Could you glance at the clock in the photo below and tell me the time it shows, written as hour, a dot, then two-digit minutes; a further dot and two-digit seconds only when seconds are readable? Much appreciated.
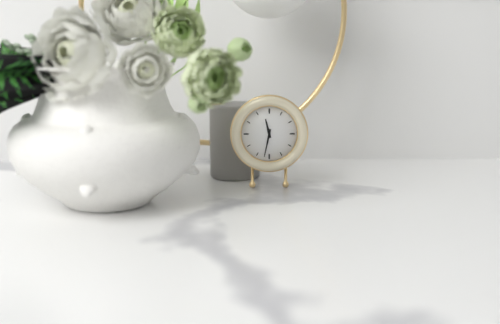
11.32
